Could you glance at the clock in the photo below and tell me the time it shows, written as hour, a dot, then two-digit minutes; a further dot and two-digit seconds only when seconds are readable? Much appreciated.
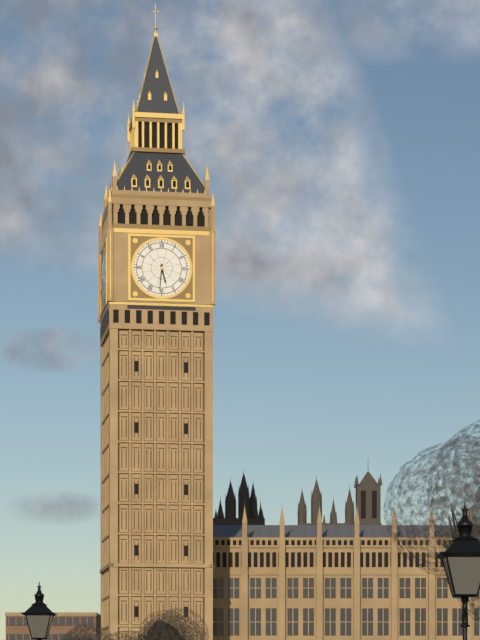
5.31
